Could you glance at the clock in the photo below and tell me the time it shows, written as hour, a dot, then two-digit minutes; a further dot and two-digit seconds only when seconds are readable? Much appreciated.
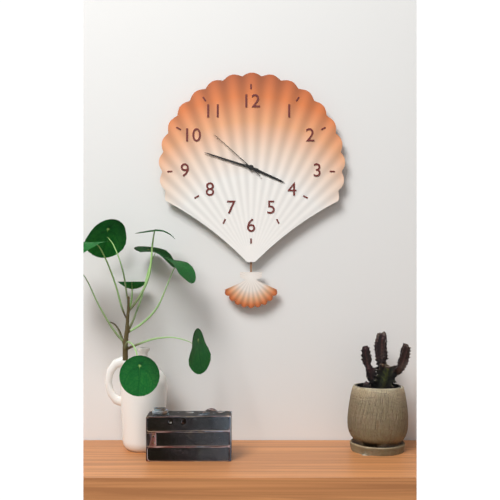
3.48.52
